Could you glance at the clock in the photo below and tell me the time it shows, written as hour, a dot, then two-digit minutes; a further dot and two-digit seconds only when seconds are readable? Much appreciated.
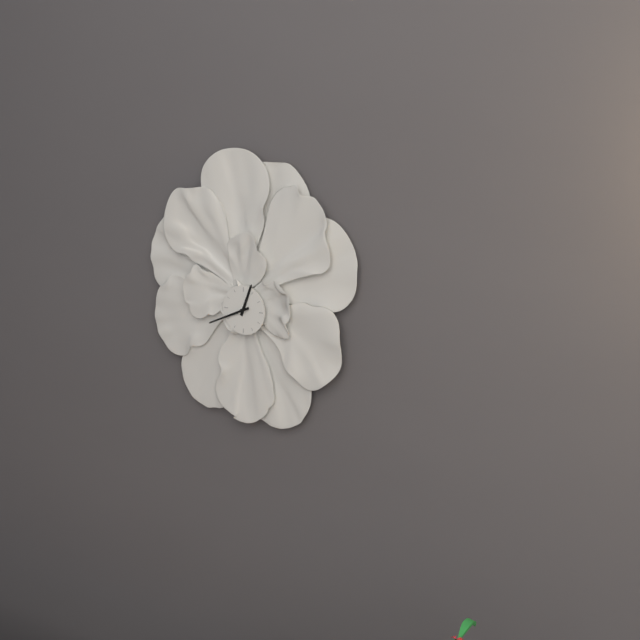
12.41
